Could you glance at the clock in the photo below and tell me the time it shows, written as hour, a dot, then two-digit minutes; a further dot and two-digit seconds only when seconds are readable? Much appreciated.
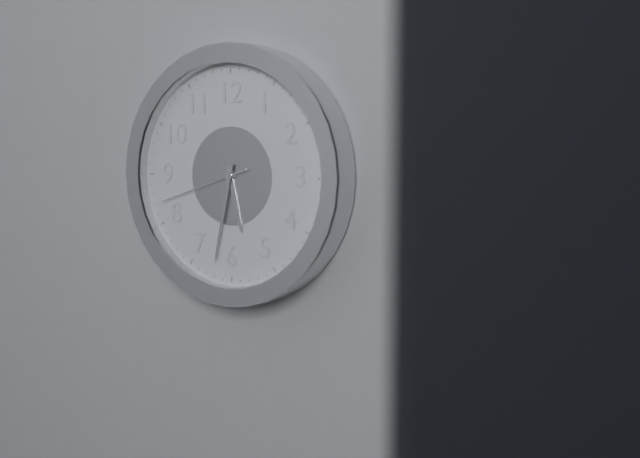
5.32.42
